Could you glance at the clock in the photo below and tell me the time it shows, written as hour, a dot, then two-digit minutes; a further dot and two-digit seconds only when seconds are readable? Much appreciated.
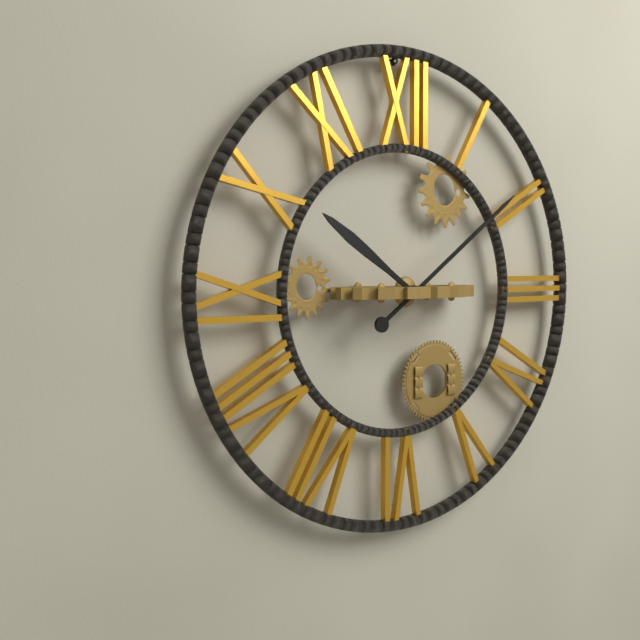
10.09
